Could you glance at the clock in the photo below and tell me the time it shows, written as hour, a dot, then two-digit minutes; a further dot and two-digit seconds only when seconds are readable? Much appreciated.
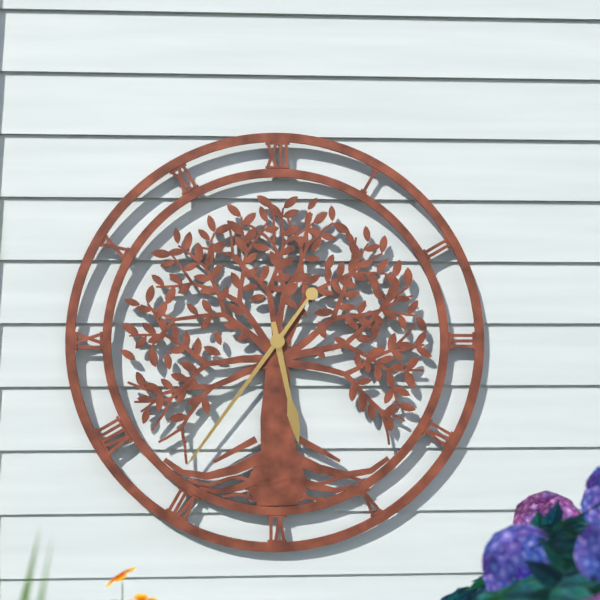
5.36
